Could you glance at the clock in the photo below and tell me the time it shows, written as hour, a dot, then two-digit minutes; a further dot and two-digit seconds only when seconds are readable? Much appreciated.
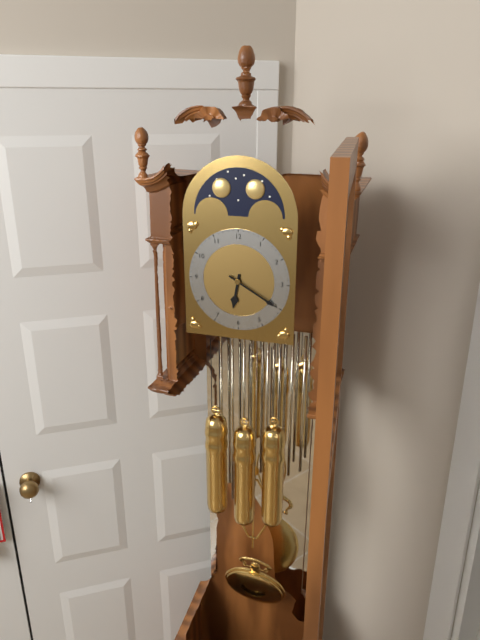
6.20
